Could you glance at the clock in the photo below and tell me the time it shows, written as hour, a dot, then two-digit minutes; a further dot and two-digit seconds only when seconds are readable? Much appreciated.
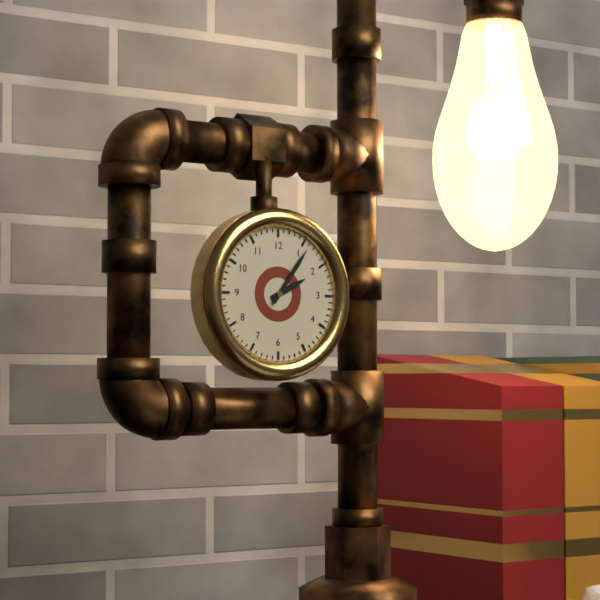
2.06
